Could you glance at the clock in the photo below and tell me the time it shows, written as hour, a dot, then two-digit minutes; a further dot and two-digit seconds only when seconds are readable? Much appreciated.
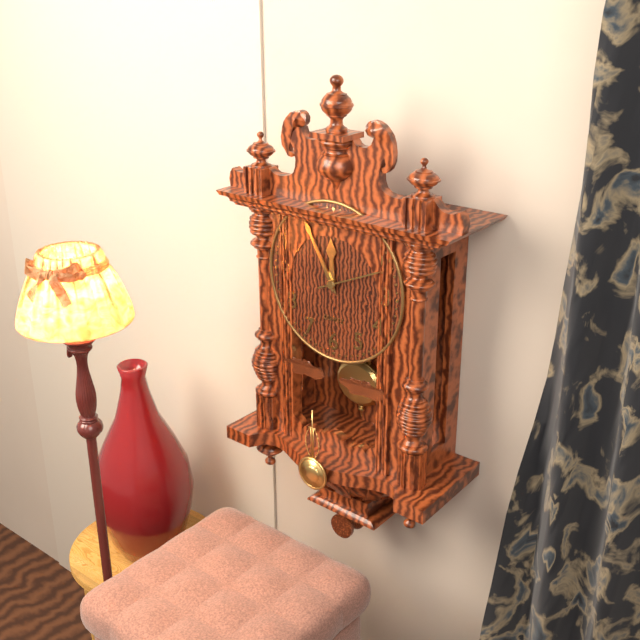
11.55.11
